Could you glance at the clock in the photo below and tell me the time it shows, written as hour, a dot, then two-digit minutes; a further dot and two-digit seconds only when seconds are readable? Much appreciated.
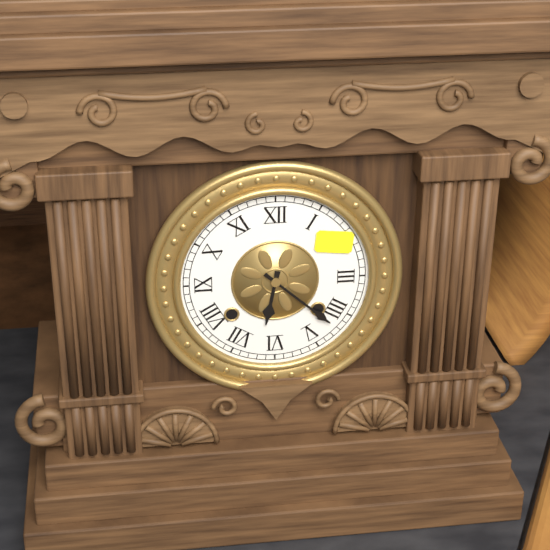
6.22
